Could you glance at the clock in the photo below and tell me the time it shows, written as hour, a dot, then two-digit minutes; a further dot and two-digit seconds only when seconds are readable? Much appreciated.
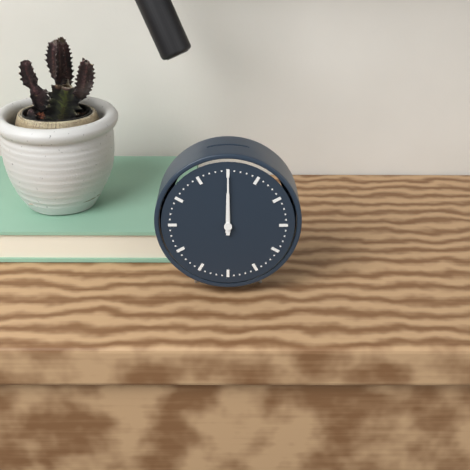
12.00
